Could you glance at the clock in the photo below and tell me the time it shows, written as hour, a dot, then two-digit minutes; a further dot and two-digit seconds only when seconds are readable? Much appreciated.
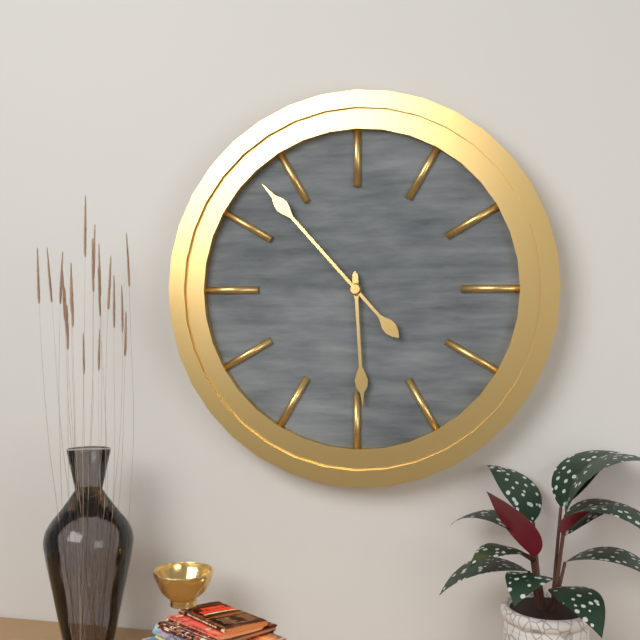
5.53
